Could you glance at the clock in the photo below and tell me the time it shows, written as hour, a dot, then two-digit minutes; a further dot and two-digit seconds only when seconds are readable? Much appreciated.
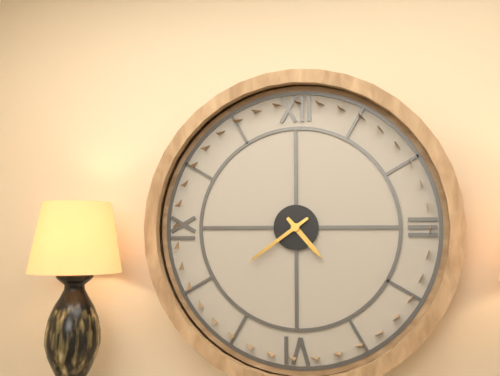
4.39
